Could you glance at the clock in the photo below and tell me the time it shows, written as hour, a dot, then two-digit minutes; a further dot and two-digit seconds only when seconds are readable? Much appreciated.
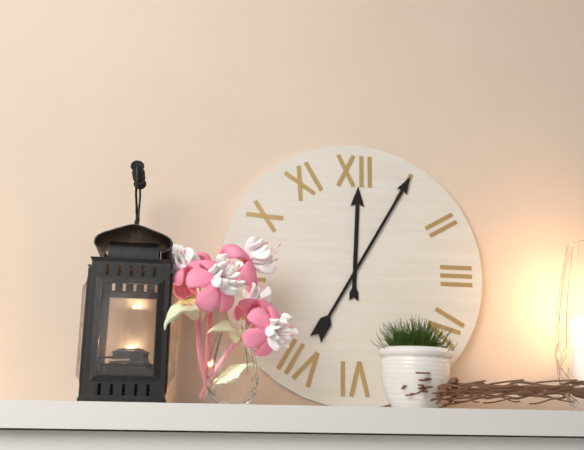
12.05
